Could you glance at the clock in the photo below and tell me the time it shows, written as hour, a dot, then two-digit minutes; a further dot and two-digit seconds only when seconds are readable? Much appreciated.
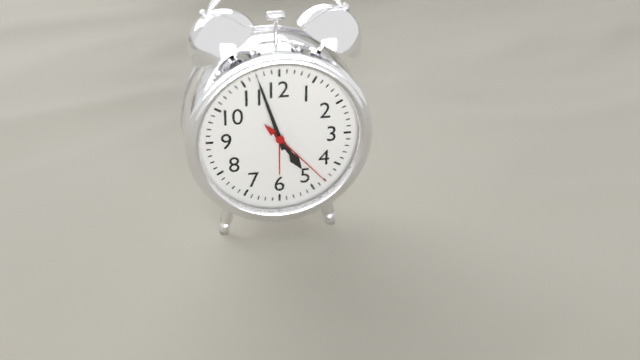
4.57.23
